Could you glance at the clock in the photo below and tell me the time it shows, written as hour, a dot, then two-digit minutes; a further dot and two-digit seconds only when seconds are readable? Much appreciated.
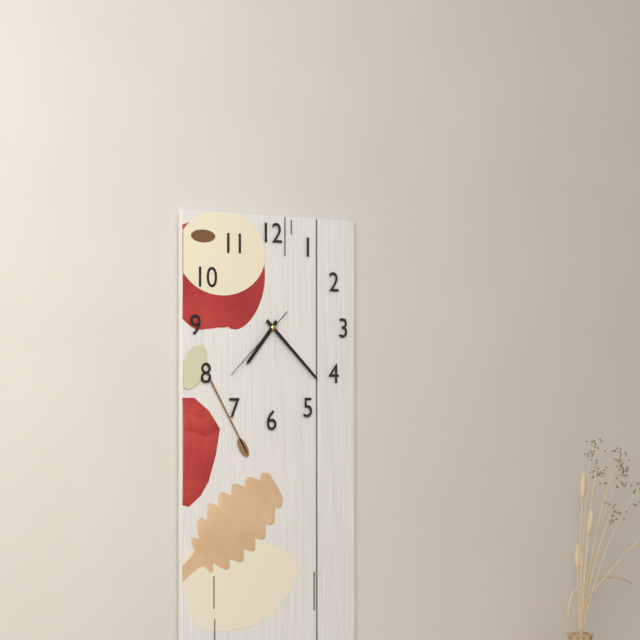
7.22.38
